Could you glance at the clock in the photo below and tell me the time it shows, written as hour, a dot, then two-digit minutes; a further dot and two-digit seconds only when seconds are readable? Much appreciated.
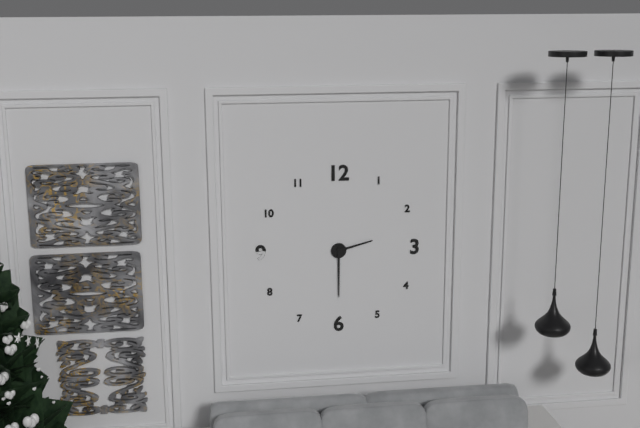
2.30
